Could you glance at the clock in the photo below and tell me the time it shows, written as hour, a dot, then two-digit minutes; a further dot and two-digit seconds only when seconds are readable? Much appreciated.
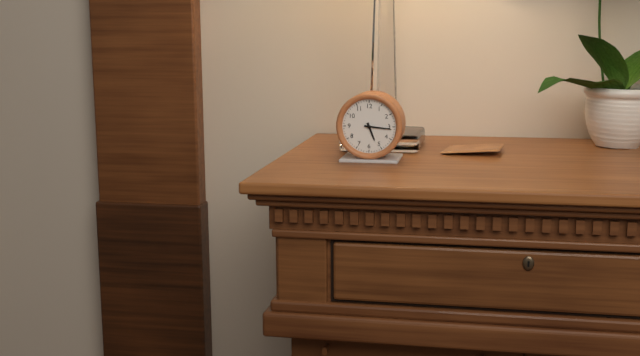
5.16
